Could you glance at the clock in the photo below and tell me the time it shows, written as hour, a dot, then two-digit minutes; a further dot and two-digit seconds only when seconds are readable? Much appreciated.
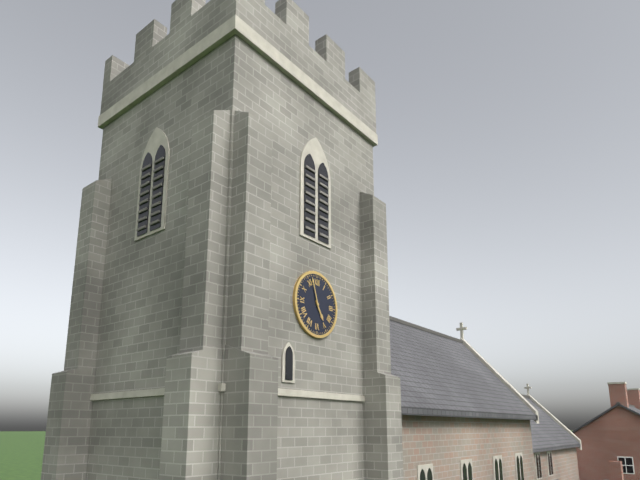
4.57
